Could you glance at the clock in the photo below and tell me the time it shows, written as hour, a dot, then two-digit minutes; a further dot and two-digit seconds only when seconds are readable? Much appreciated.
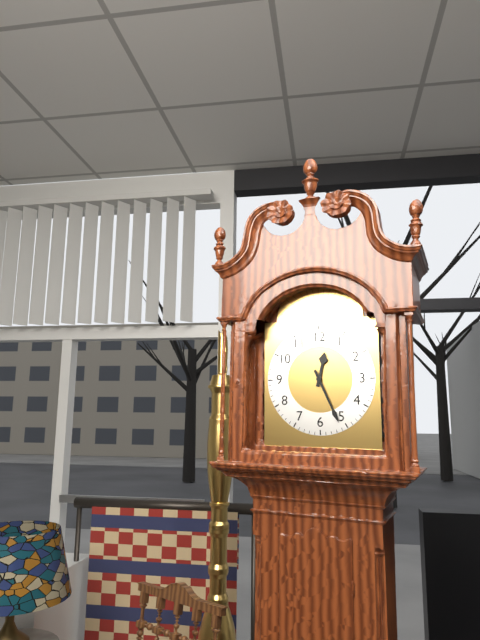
12.26
